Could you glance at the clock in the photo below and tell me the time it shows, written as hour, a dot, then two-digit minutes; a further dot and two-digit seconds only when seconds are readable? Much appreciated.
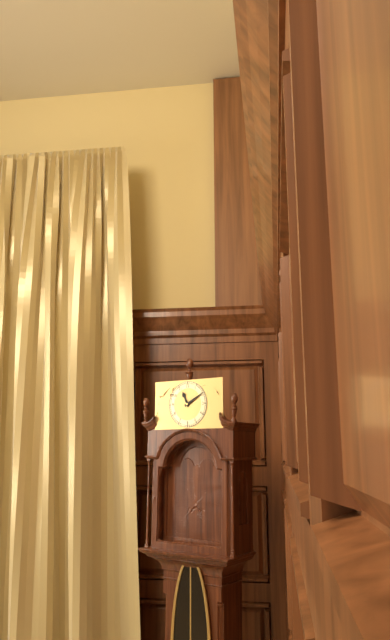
11.10
